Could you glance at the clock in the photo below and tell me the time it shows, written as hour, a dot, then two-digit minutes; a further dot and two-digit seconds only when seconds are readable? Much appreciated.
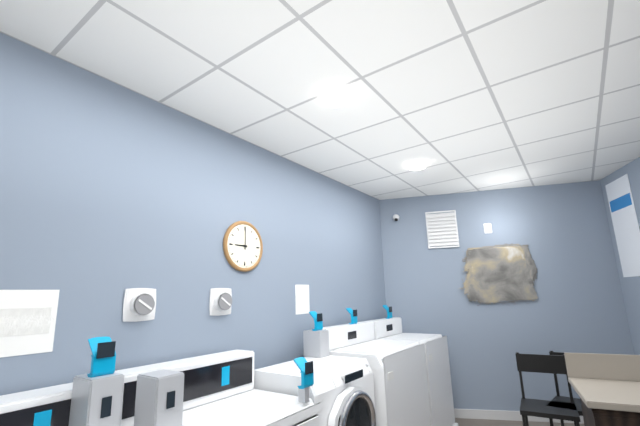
9.00
